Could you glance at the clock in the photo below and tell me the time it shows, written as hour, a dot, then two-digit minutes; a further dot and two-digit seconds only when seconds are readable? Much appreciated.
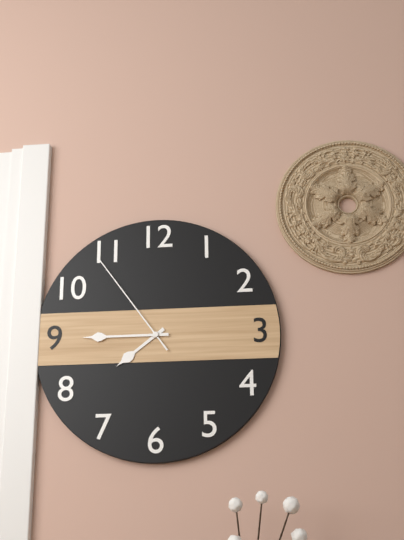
7.45.54
